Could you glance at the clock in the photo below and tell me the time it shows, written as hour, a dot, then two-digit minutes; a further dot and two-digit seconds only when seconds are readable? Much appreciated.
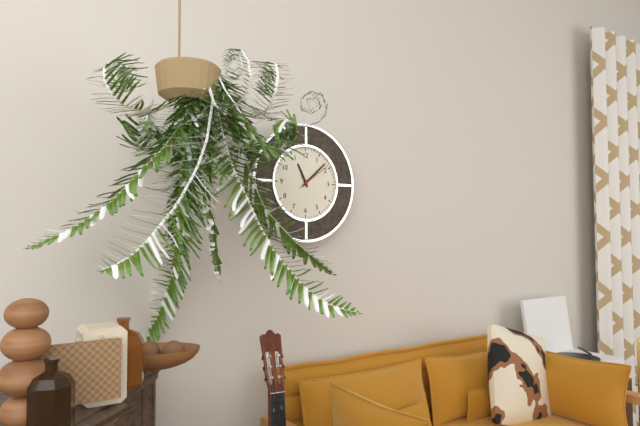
11.08
